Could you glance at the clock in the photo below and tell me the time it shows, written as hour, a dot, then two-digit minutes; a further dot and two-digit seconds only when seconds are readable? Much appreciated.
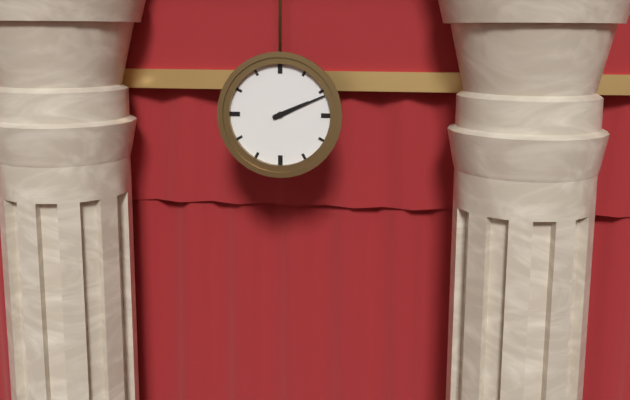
2.11
